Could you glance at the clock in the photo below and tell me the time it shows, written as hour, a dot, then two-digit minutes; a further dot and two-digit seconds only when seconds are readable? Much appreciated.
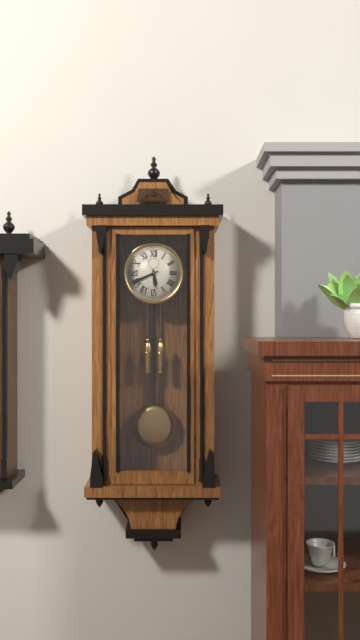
5.41
